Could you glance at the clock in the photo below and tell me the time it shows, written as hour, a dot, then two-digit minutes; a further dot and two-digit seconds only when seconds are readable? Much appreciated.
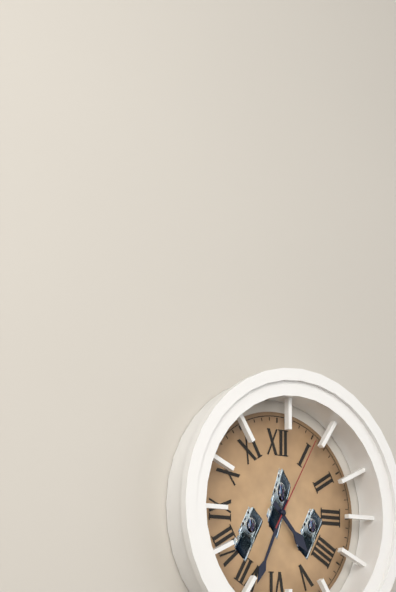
4.34.05
